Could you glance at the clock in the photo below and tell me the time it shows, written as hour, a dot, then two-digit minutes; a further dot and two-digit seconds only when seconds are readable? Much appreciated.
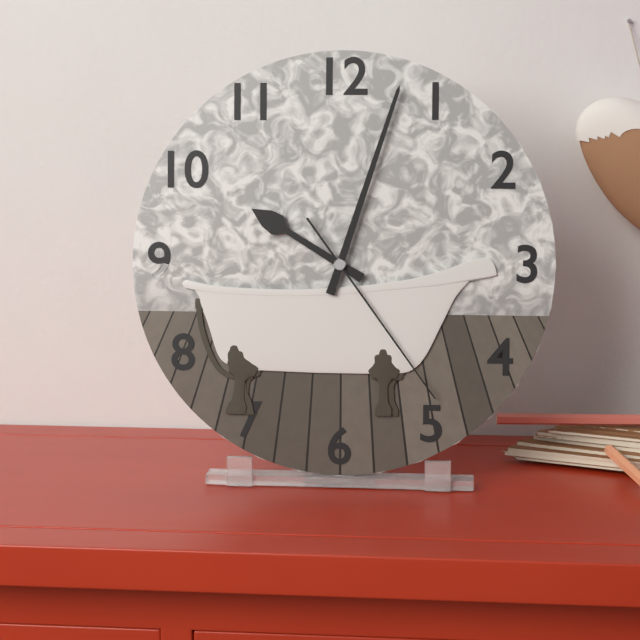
10.03.24
